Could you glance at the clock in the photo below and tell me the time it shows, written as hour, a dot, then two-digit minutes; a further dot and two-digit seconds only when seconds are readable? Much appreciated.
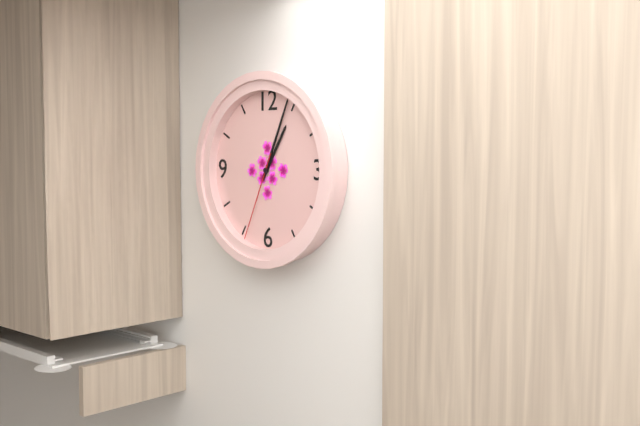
1.04.34
